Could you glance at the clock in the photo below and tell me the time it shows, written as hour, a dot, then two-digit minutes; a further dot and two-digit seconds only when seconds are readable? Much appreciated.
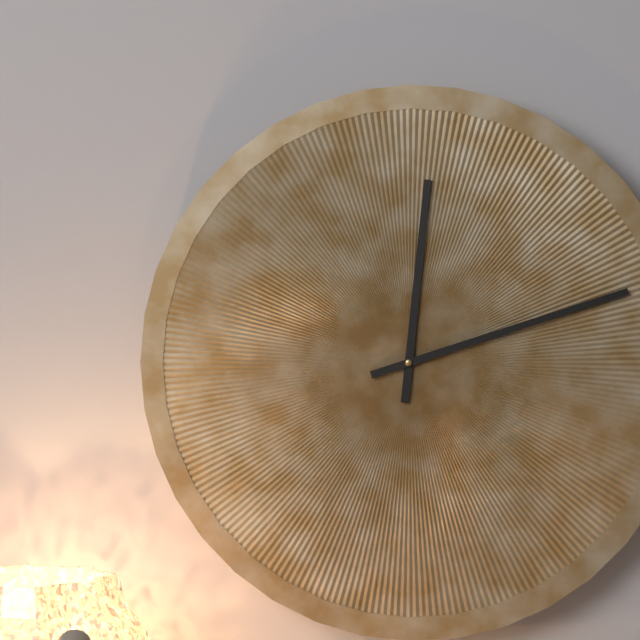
12.12
